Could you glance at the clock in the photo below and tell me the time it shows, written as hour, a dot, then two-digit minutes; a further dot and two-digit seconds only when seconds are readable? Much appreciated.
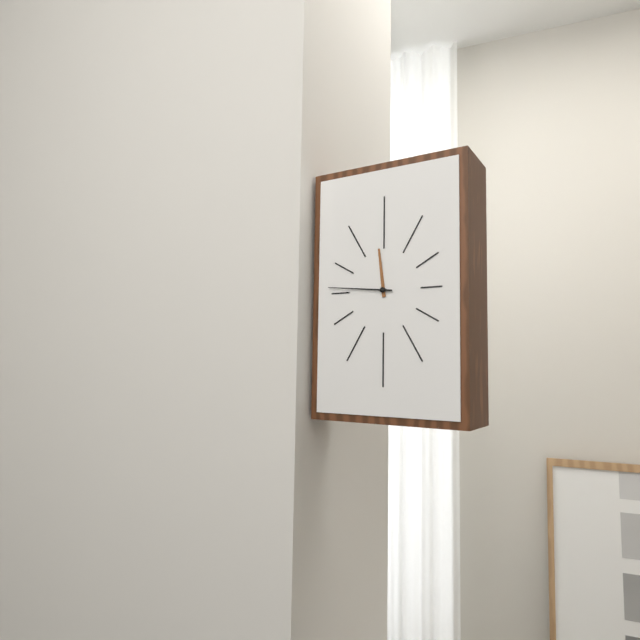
11.46
